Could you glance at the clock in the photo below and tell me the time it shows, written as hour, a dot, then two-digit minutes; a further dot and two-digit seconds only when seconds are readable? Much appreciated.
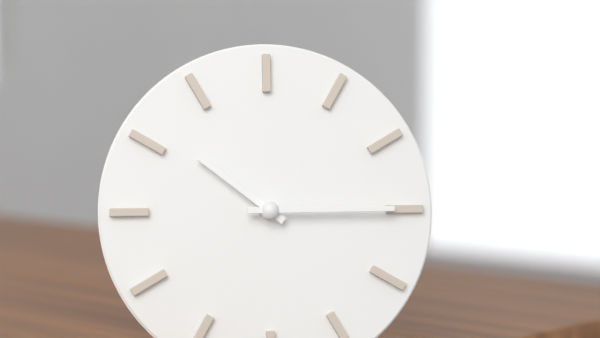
10.15
